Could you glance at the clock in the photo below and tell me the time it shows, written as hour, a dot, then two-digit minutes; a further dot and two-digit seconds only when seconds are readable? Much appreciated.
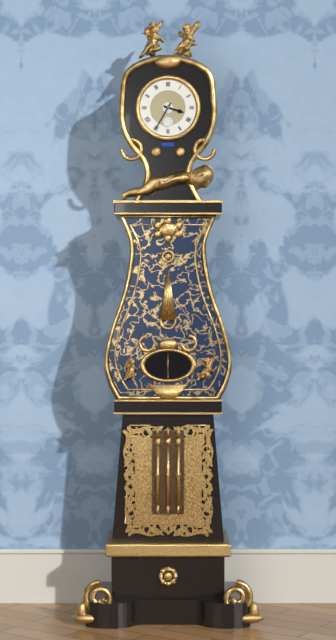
3.35
